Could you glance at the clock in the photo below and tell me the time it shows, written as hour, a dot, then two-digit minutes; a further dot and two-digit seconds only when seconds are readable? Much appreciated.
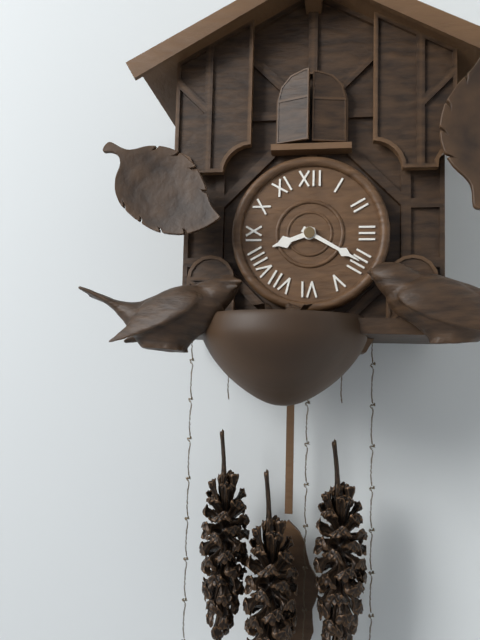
8.20
